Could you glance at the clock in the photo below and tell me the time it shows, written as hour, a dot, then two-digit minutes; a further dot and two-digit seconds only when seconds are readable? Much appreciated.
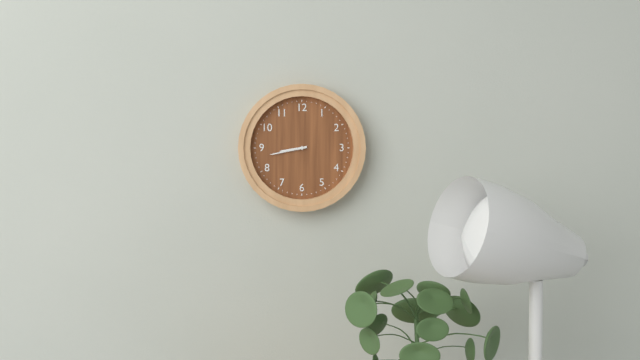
8.43
